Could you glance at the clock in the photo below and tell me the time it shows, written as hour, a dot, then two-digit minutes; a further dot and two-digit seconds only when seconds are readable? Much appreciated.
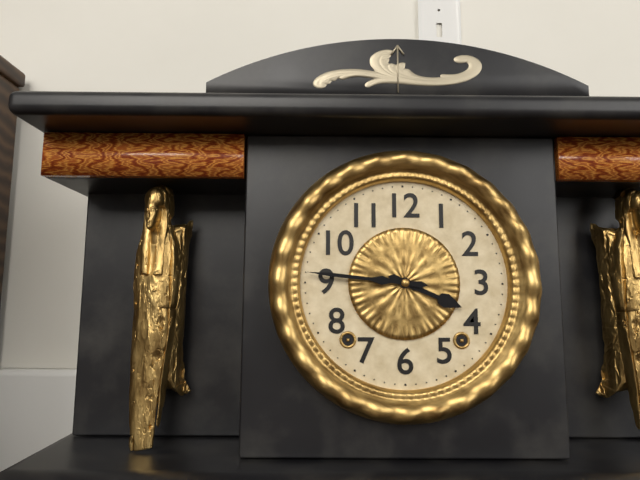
3.46
